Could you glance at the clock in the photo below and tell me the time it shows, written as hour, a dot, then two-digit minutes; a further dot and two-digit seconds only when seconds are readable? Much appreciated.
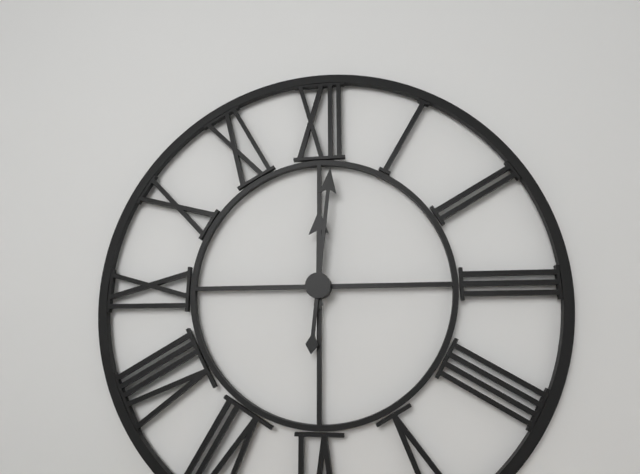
12.01
